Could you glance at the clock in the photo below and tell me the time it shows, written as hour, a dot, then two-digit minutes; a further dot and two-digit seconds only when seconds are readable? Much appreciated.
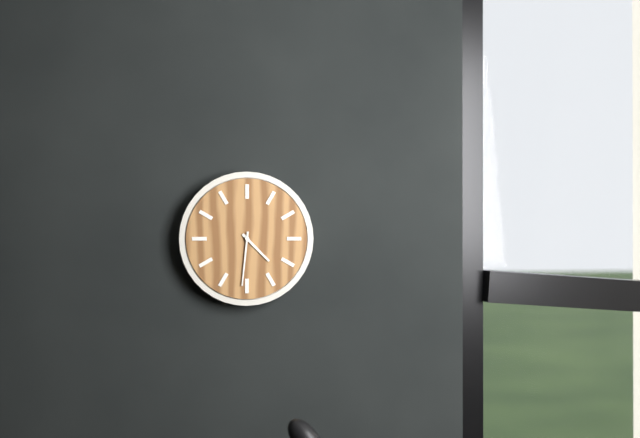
4.31
